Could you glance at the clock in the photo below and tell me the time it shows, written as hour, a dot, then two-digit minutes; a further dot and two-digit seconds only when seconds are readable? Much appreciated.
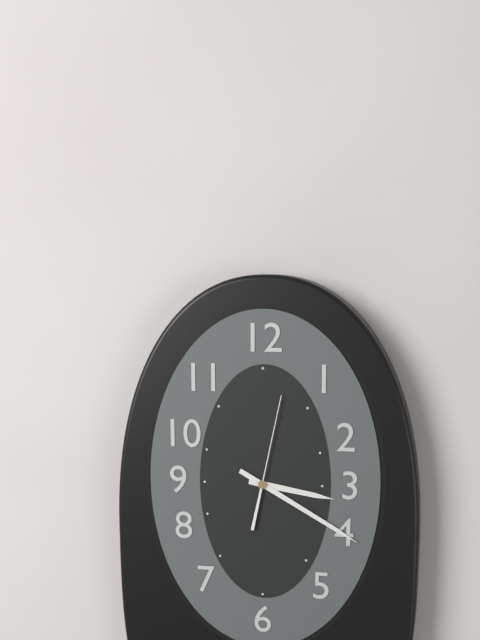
3.20.02
